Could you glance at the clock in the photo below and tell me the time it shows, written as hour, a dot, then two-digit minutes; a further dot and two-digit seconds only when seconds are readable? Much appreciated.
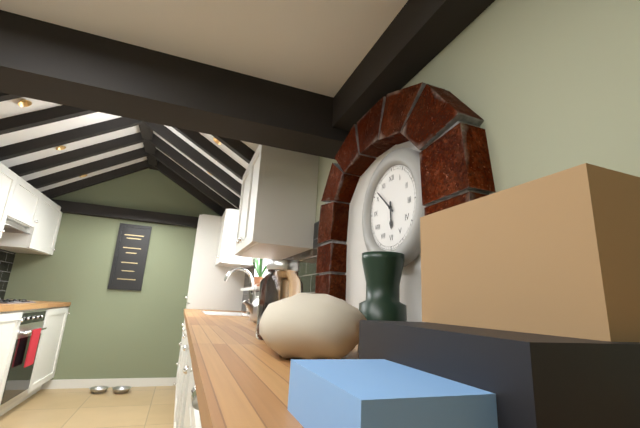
5.52
